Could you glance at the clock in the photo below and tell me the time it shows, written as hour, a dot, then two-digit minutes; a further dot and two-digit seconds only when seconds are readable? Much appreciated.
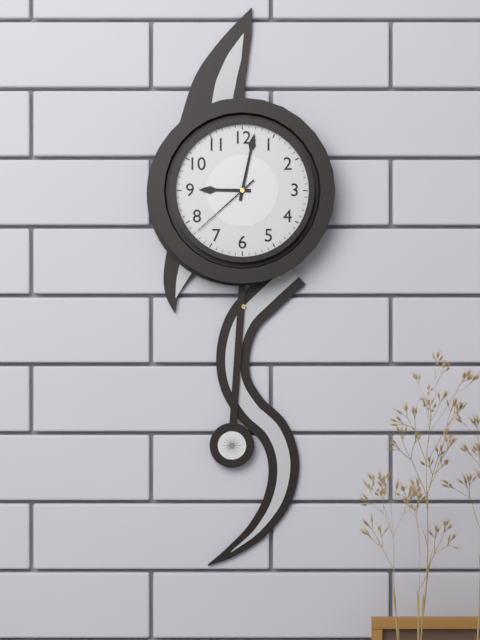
9.02.38
